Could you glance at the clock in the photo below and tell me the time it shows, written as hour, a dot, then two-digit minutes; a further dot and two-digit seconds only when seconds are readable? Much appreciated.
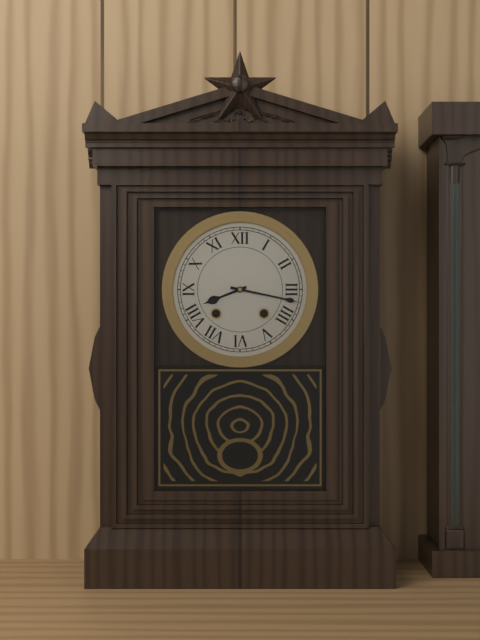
8.17
